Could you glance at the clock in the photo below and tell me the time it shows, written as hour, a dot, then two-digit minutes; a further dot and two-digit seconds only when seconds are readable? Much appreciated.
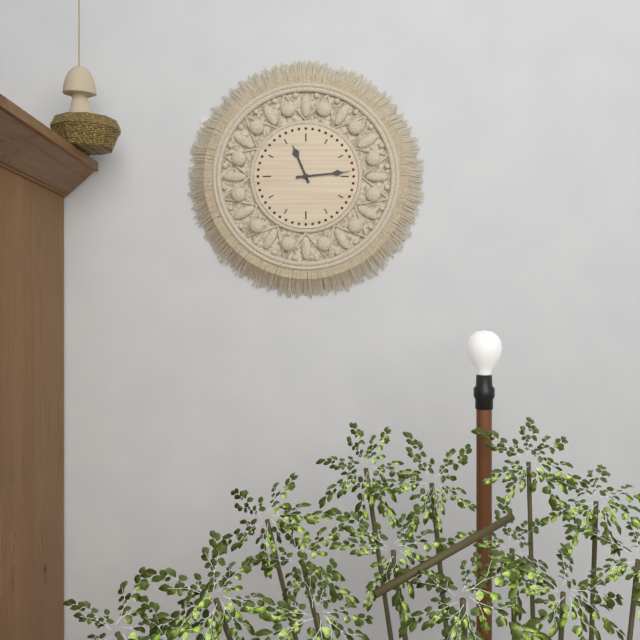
11.14
